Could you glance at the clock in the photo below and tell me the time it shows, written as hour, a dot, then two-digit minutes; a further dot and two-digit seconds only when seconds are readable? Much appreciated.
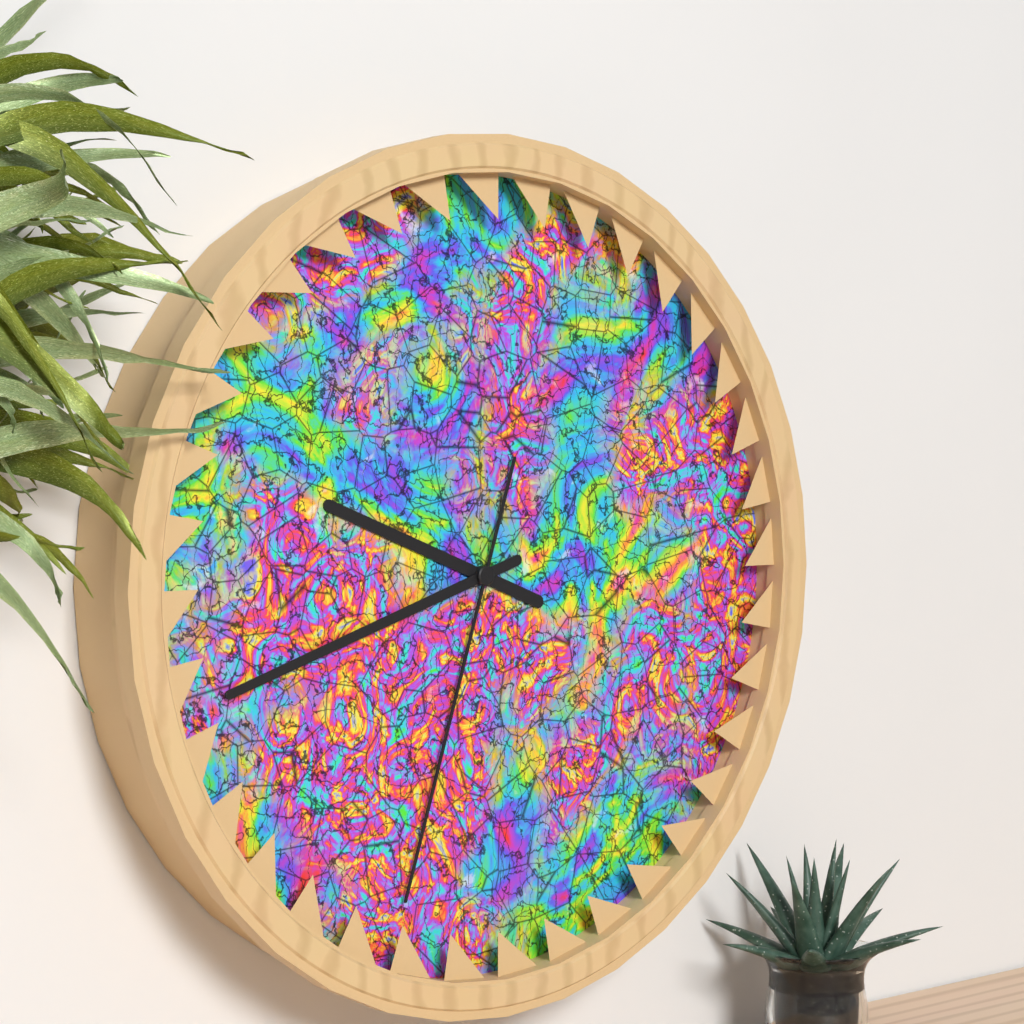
9.42.33
